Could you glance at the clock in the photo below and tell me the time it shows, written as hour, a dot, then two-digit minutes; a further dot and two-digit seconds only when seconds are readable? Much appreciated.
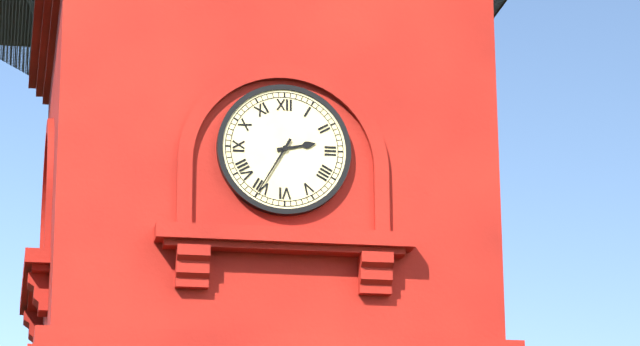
2.35
